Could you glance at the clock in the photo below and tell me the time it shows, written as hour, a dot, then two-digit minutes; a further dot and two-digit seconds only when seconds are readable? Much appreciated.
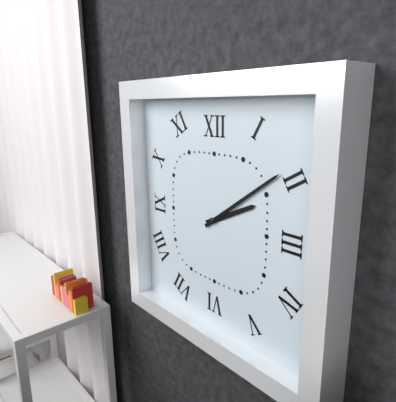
2.09
